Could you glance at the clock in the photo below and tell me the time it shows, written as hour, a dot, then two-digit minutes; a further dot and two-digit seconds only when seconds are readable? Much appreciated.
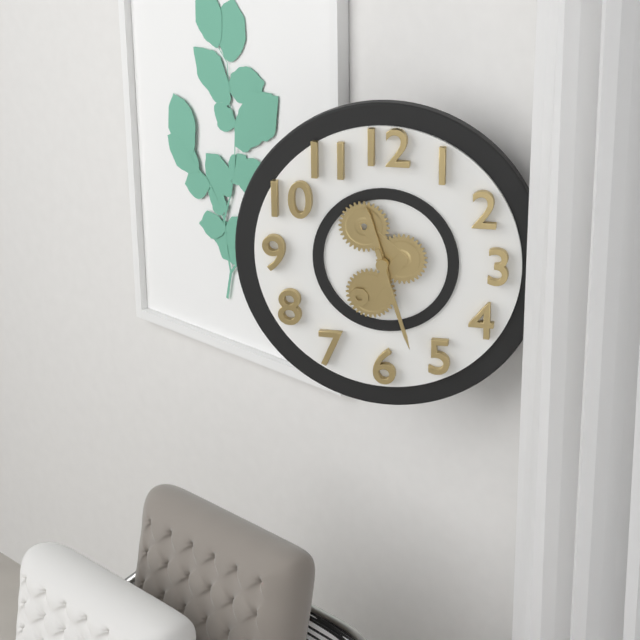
11.27
